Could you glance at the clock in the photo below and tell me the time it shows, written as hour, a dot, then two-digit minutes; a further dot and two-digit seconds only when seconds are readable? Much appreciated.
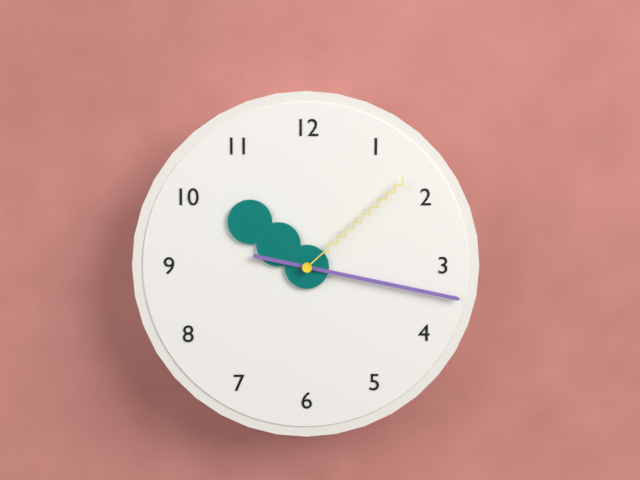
10.17.08
